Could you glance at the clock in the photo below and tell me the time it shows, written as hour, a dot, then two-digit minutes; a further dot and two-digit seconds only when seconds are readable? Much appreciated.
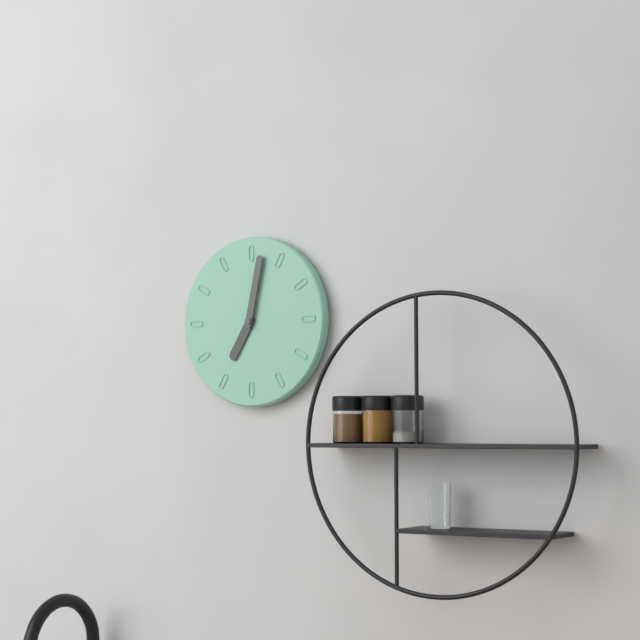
7.02
